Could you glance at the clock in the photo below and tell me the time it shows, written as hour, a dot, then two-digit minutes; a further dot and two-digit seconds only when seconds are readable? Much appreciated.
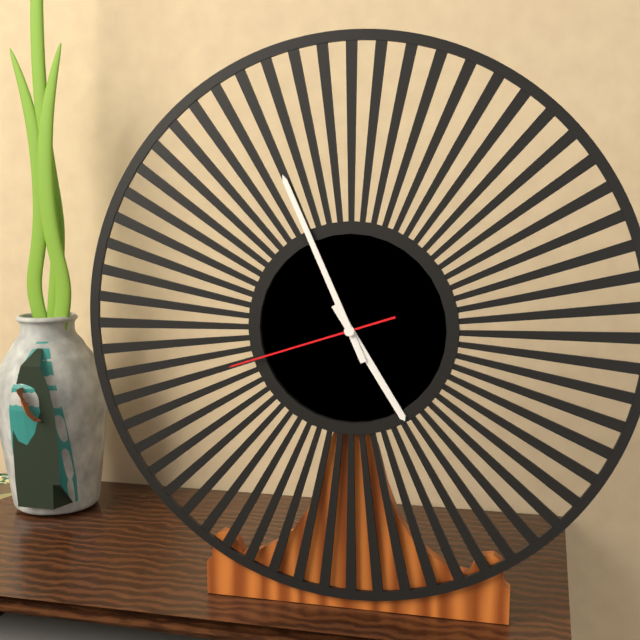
4.56.42
